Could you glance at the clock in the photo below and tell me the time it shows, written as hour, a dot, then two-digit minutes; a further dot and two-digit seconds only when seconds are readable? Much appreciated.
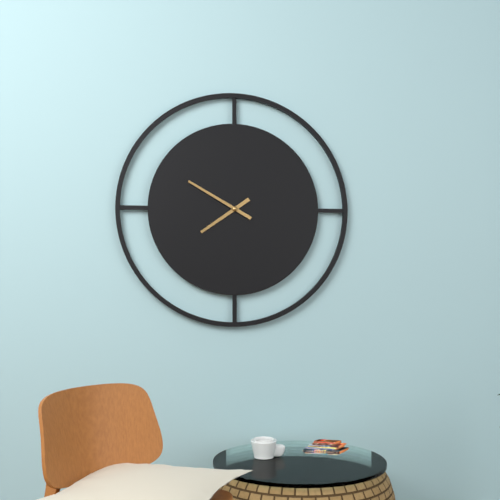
7.50
